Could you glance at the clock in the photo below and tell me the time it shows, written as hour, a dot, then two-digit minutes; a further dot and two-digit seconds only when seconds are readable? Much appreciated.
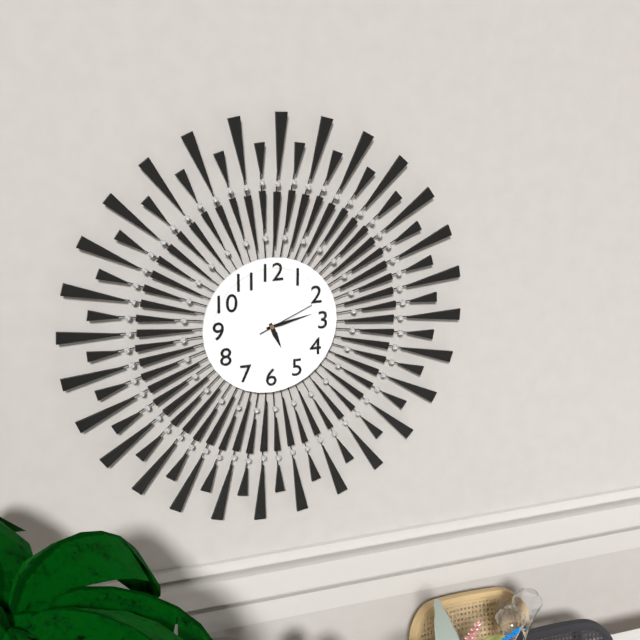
5.13.11
